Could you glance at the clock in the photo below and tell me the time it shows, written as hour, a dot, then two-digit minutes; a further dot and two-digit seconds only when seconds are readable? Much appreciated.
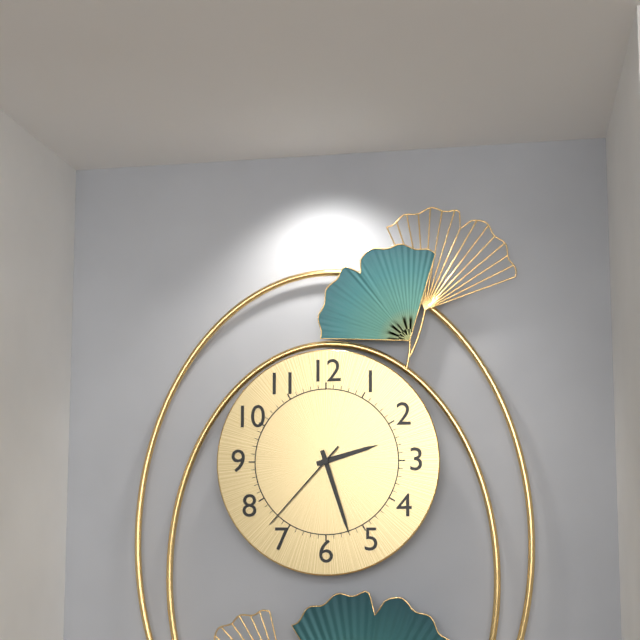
2.27.37
